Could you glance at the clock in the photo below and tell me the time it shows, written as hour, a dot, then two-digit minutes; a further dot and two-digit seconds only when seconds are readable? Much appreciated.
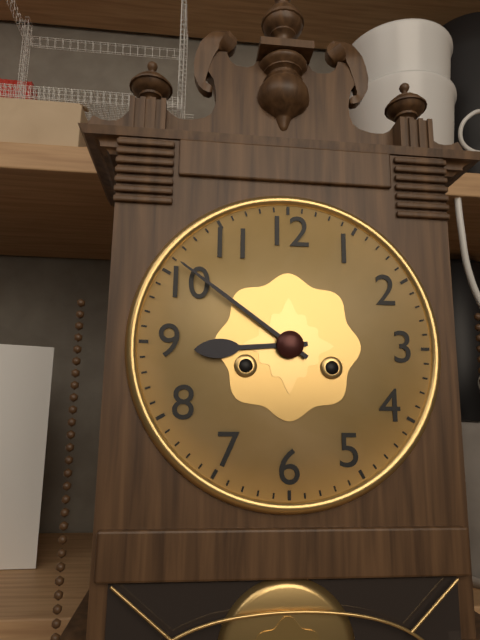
8.51
